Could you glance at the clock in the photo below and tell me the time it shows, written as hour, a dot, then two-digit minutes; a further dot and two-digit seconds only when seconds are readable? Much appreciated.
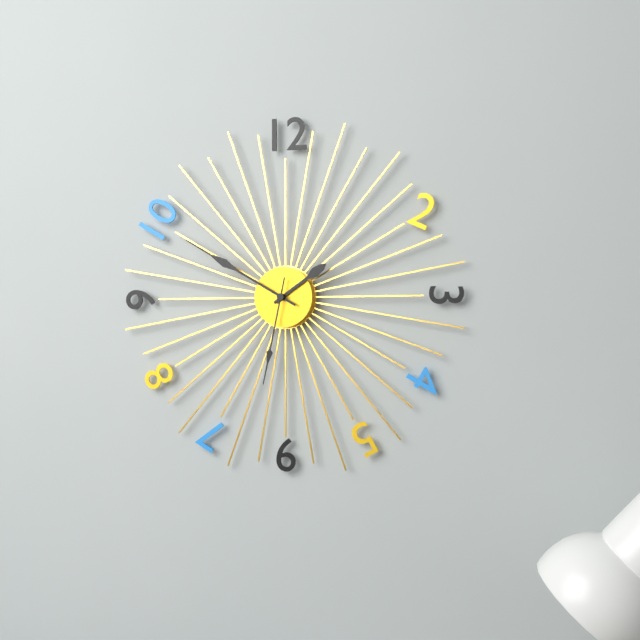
1.50.32
